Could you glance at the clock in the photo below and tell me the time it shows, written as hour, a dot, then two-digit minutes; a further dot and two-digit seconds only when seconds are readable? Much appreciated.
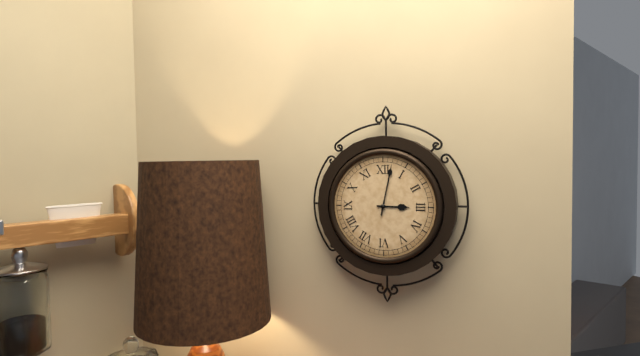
3.02
